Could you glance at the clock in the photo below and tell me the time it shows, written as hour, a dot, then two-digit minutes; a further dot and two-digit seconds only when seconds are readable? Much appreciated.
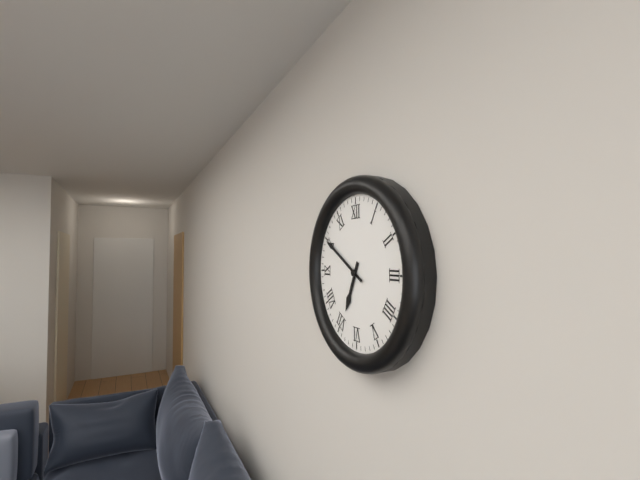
6.50
